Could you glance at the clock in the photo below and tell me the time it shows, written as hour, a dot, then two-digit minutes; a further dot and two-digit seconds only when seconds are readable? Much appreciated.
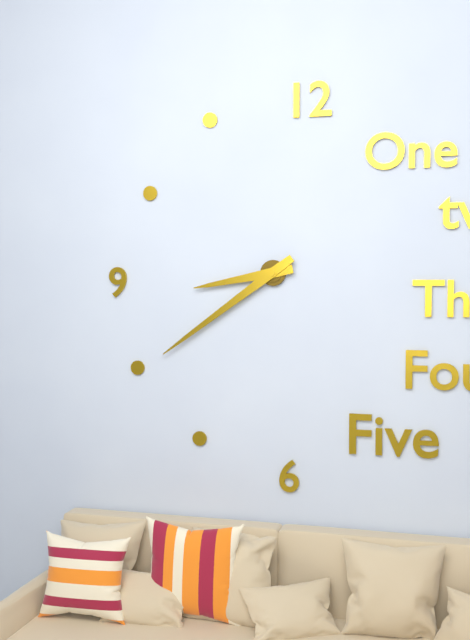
8.39
